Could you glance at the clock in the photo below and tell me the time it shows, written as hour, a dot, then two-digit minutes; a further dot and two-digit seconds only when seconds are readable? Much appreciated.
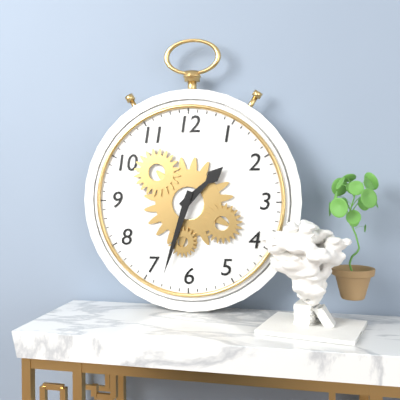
1.33
